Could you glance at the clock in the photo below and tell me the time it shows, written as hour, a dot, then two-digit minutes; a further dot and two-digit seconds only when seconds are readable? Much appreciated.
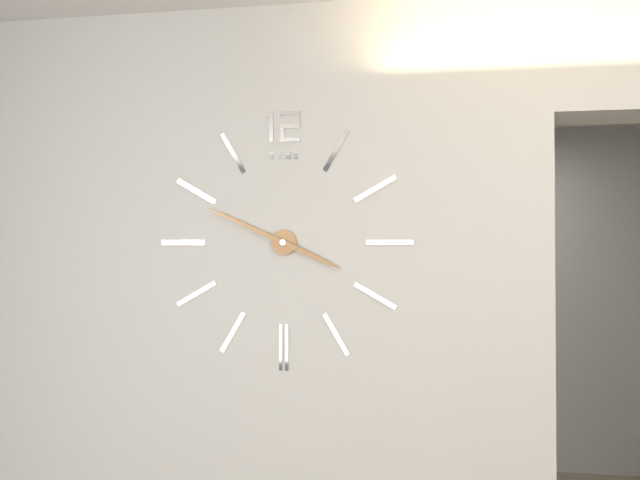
3.49
